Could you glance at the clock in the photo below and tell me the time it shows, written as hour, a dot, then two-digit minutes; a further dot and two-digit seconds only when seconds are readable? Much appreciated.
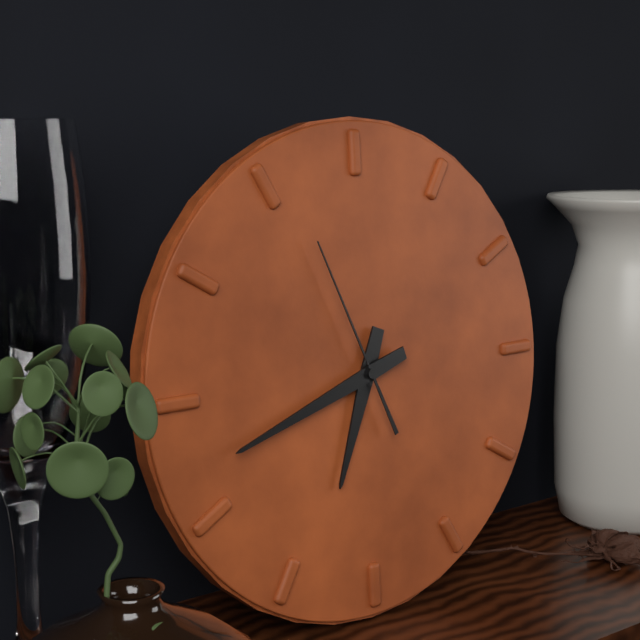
6.42.56
